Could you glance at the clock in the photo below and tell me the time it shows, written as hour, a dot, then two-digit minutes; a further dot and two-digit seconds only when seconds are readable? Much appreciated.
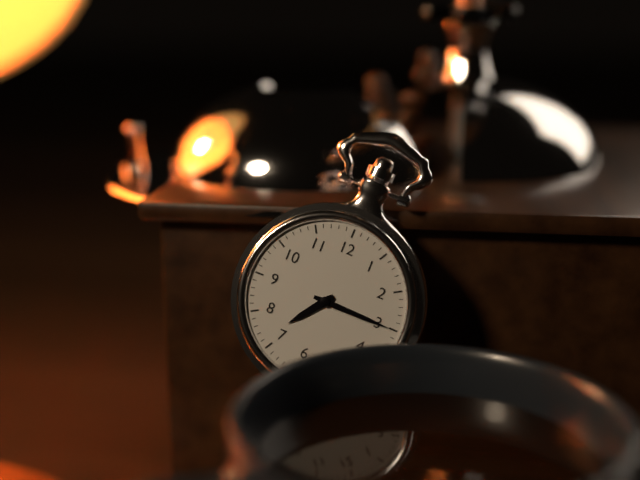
7.15
